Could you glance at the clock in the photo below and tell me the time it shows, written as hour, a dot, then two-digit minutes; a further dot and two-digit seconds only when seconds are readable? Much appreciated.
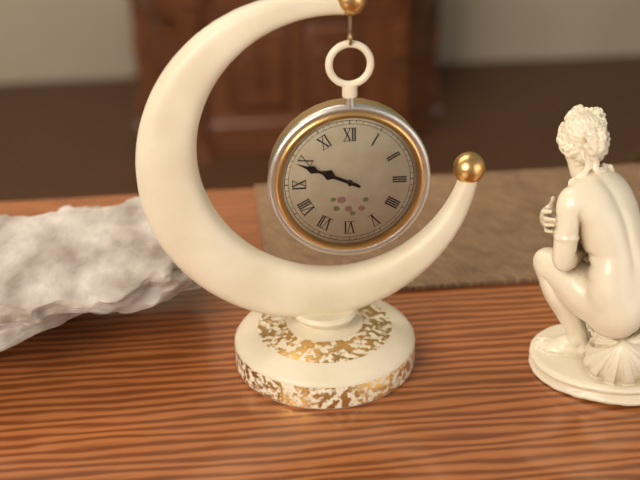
9.49
